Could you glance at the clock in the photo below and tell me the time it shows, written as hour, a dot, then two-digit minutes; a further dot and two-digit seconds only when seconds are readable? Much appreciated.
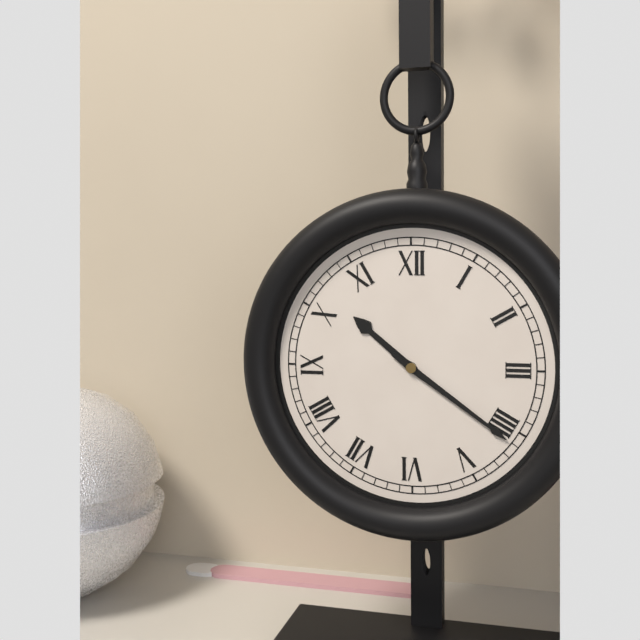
10.21
